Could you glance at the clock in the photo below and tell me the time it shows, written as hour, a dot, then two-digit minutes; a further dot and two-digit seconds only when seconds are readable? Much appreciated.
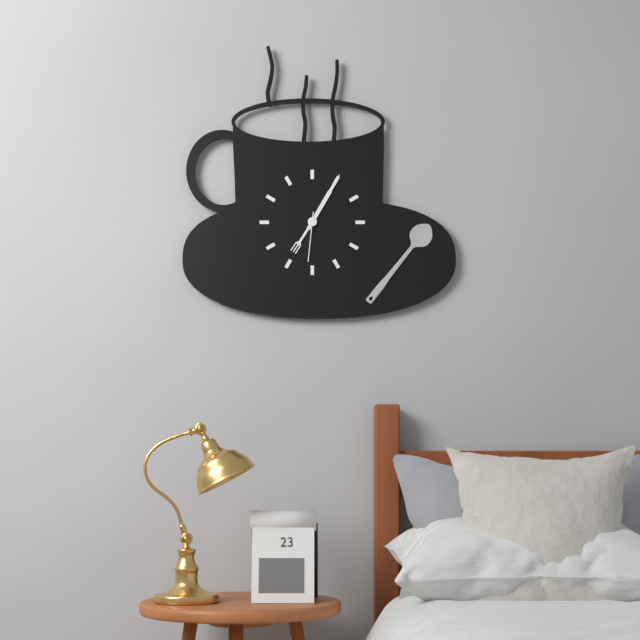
7.05
